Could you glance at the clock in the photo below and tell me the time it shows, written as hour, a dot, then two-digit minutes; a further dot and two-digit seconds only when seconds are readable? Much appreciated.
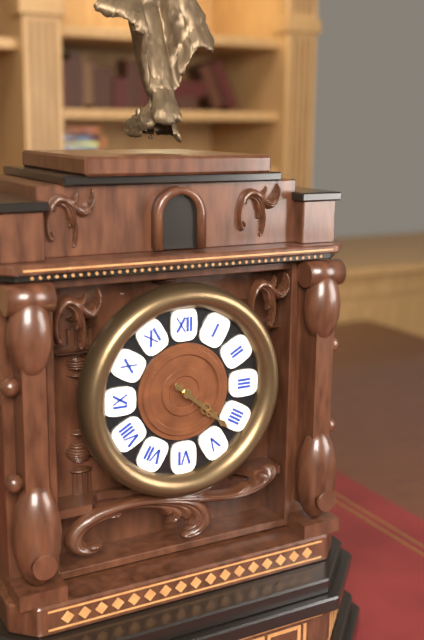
4.22
